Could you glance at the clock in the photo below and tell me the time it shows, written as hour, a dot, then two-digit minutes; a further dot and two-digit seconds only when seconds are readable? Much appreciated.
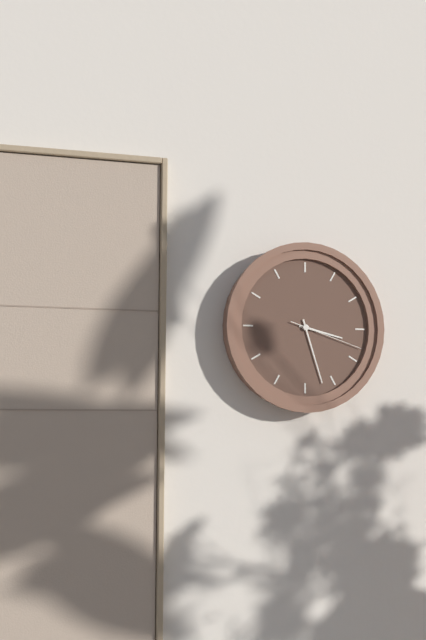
3.27.18
